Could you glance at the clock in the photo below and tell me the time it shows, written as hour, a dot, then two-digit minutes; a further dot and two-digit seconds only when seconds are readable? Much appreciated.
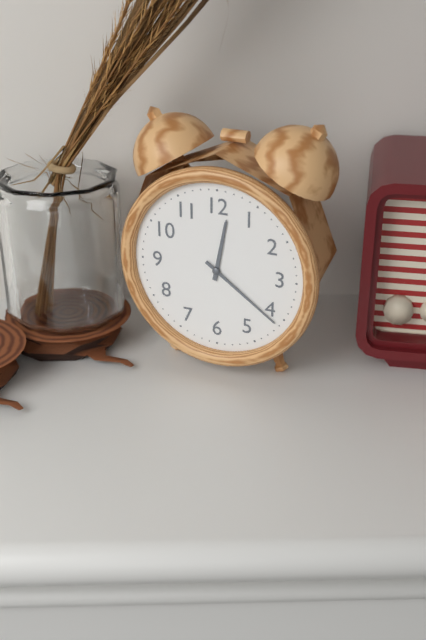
12.21
